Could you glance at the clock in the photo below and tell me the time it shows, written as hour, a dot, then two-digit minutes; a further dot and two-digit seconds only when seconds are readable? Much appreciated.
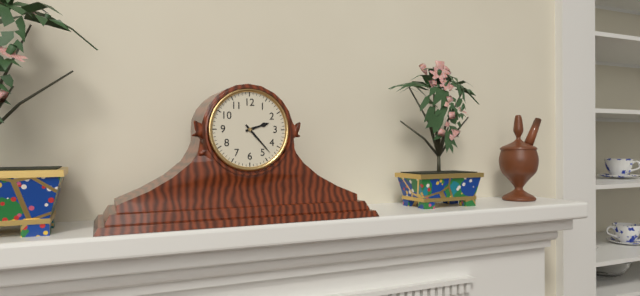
2.23
